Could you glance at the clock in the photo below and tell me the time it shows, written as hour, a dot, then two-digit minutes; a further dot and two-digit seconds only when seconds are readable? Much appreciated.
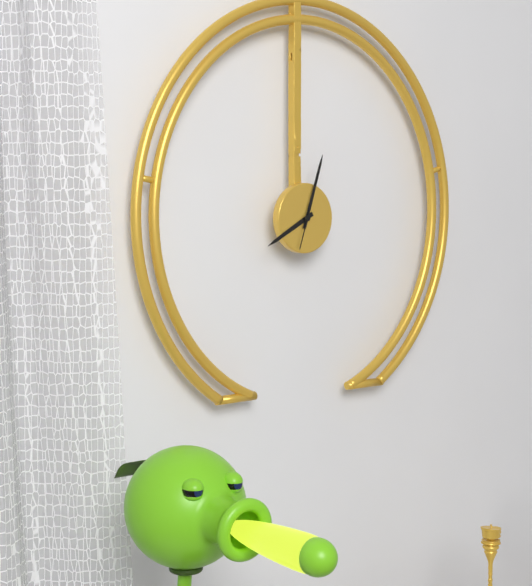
8.03
